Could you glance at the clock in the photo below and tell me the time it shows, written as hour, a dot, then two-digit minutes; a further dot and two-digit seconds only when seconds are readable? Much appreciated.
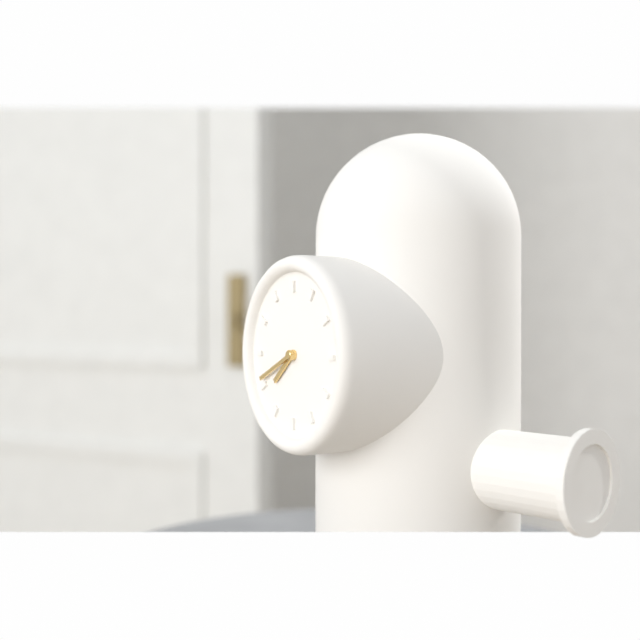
7.41
